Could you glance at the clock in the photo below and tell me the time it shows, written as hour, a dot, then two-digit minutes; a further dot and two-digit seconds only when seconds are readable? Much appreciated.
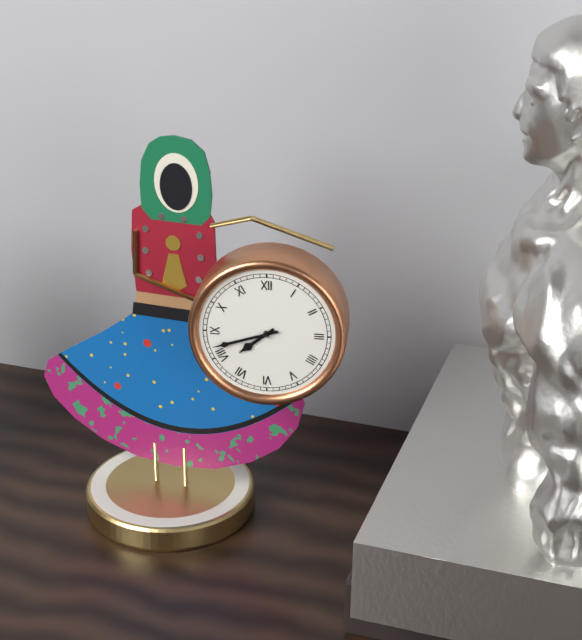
7.42
